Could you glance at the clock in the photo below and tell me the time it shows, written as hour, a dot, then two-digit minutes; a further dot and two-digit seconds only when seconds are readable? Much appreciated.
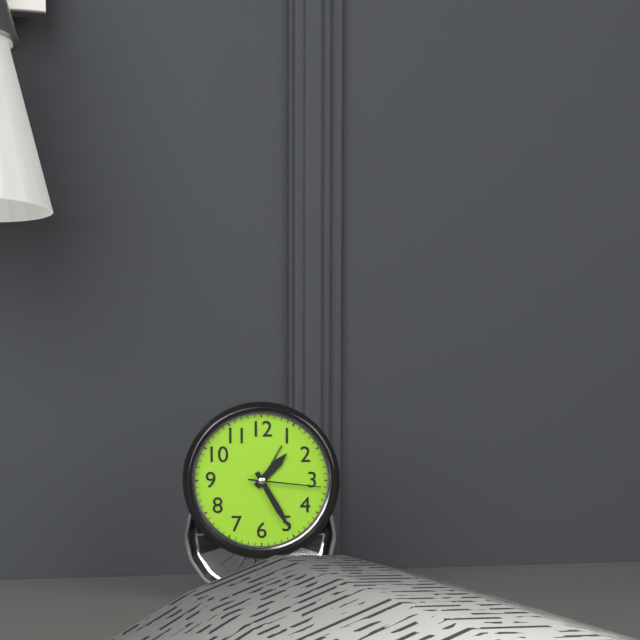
1.25.16
